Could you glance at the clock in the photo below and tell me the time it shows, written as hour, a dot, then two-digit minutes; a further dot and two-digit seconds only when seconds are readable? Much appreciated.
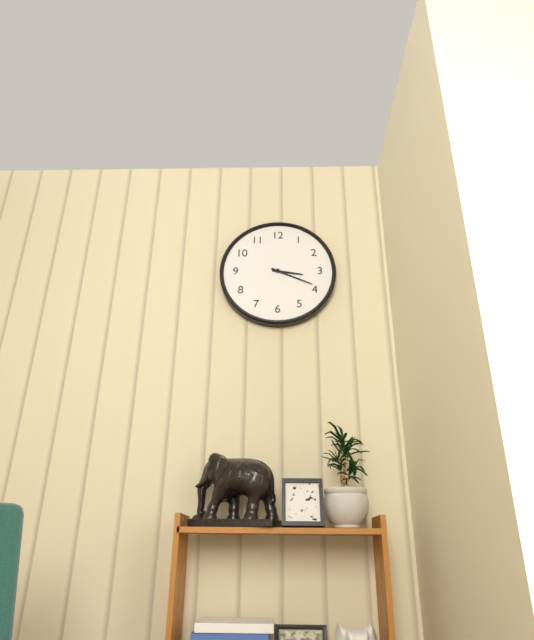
3.19
